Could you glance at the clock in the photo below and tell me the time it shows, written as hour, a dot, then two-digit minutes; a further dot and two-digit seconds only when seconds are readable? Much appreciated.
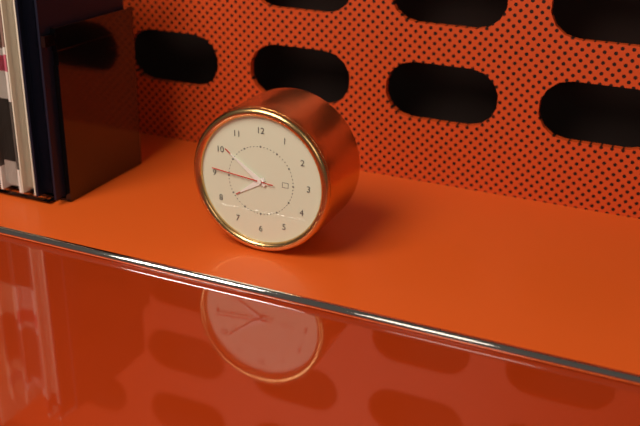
7.51.46
